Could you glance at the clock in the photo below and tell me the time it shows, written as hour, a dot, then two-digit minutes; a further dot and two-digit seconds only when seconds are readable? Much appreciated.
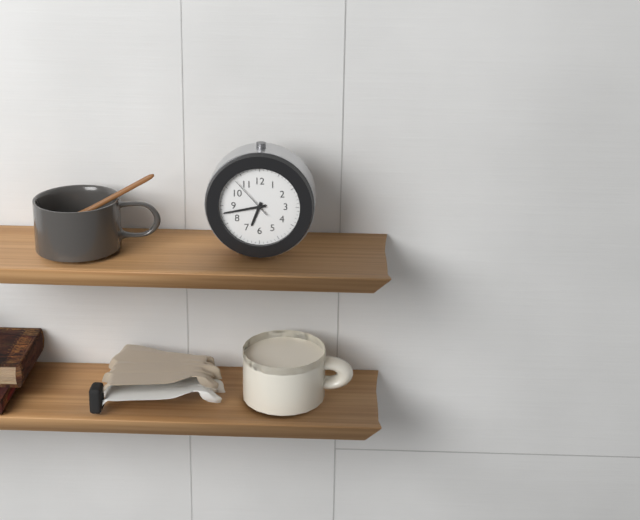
6.43
